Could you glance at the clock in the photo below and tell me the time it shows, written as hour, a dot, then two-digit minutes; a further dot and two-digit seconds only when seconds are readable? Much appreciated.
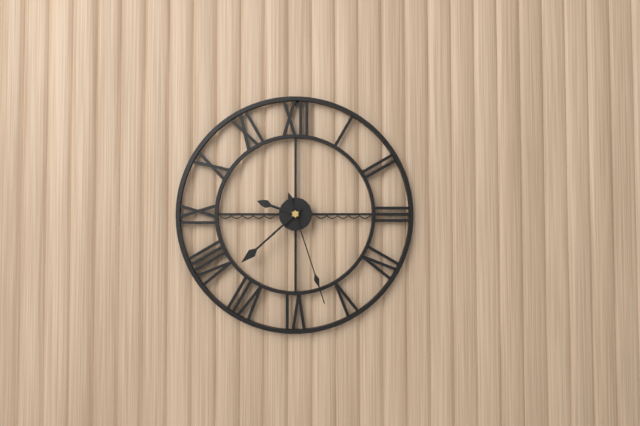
9.38.27
